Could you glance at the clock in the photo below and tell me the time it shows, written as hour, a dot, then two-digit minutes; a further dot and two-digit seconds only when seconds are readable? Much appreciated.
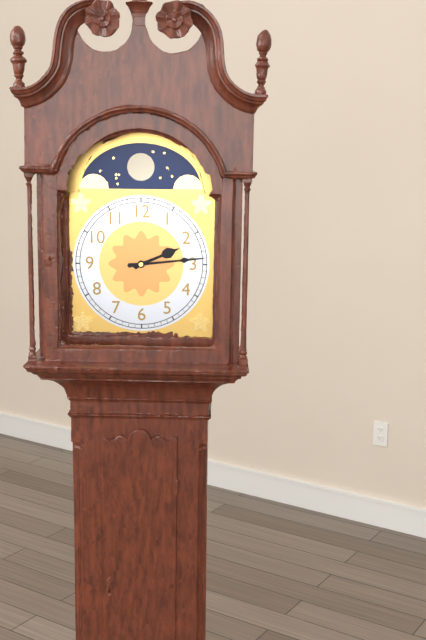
2.14
